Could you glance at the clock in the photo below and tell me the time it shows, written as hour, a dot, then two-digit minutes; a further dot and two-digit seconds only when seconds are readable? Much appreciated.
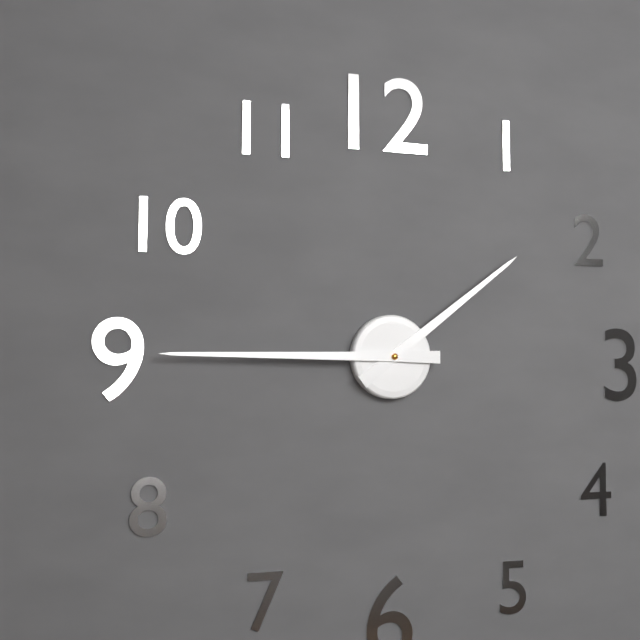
1.45
